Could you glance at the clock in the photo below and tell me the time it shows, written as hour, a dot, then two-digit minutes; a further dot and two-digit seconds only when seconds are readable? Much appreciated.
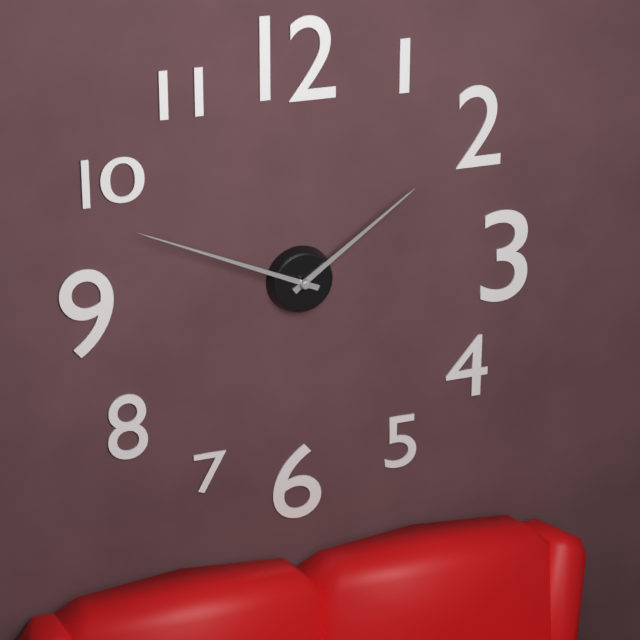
1.49
